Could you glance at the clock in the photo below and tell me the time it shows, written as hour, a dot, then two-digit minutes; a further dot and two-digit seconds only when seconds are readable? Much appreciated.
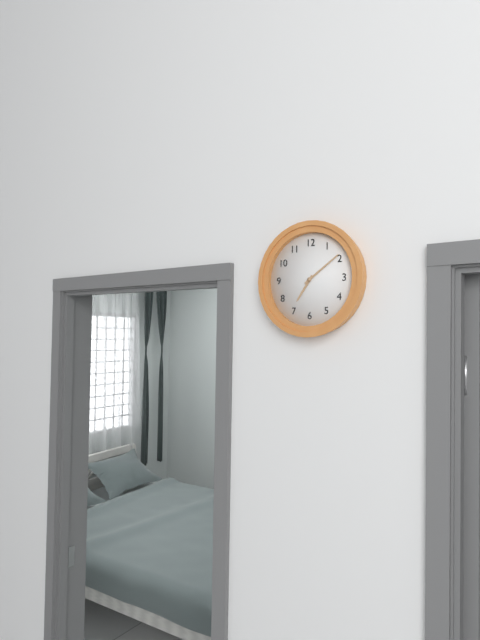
7.09
